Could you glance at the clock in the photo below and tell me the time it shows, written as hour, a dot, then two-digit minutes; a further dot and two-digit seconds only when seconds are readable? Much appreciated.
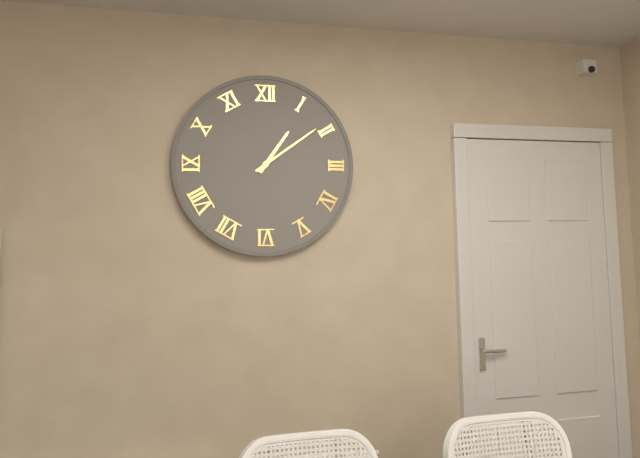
1.09
